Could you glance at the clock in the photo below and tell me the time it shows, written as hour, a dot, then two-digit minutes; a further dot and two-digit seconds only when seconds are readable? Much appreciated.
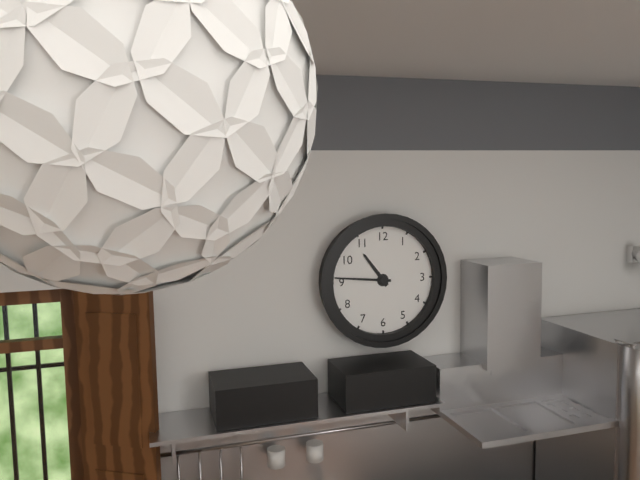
10.46
